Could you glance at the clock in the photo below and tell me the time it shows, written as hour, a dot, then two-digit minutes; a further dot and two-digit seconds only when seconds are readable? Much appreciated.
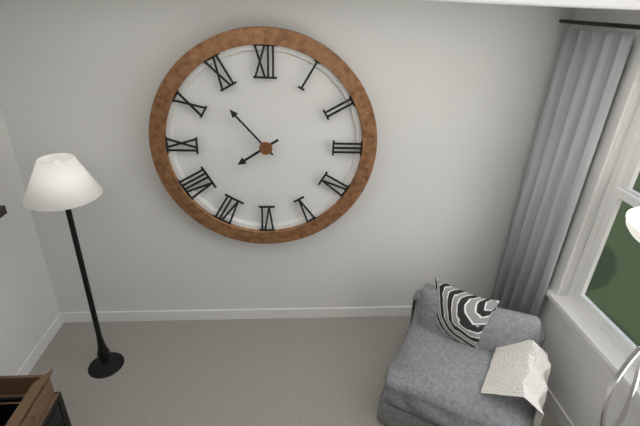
7.53
